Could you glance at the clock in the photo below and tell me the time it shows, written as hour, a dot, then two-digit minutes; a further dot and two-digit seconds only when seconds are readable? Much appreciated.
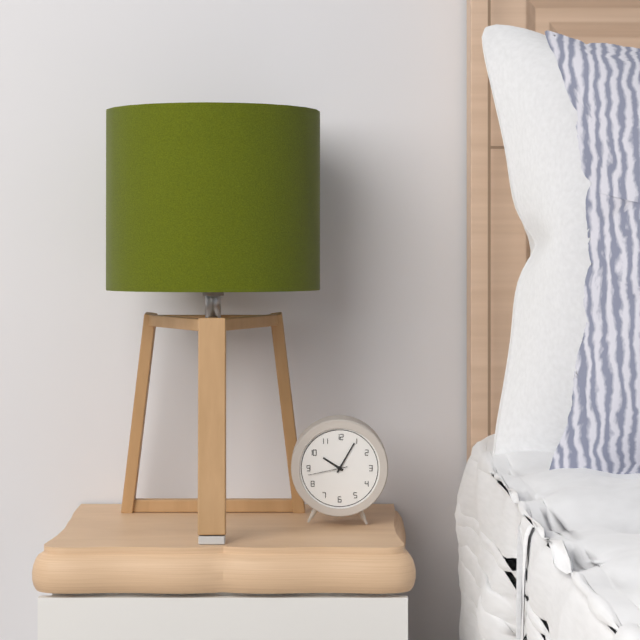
10.05
